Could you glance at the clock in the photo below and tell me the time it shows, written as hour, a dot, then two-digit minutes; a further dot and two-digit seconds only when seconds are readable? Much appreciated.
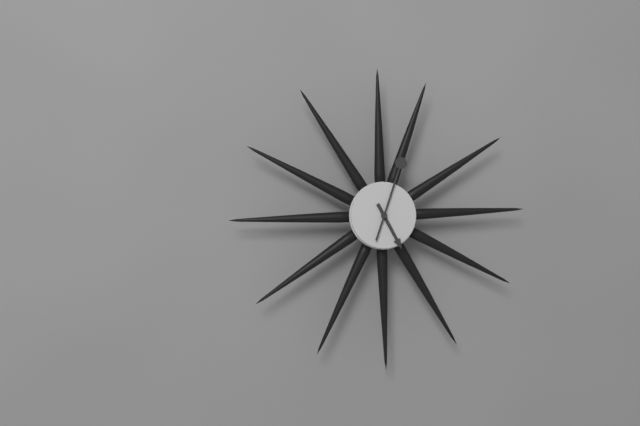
5.03
